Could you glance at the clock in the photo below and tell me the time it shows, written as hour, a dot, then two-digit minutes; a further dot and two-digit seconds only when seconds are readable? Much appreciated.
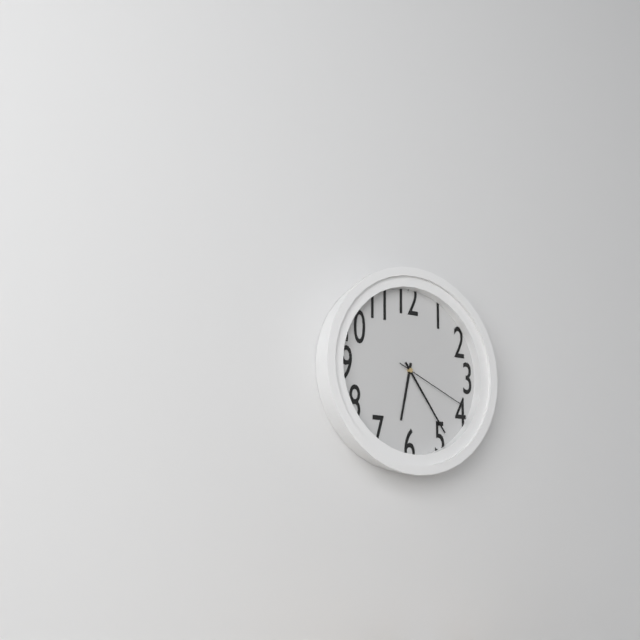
6.24.19
